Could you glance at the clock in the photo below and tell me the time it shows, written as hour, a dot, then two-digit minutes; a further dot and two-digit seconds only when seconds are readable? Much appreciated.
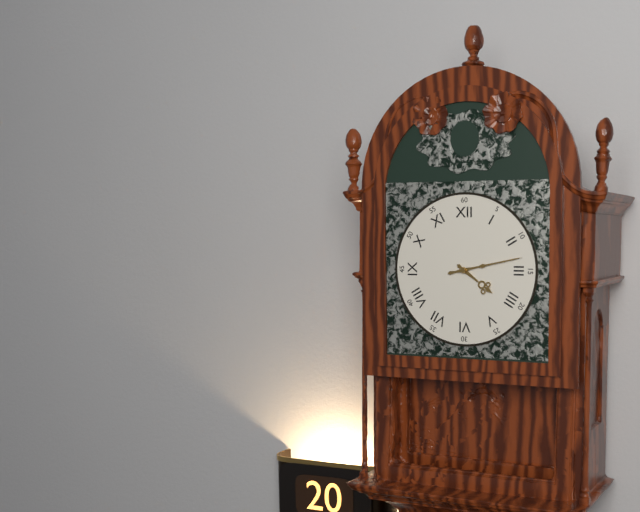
4.13
